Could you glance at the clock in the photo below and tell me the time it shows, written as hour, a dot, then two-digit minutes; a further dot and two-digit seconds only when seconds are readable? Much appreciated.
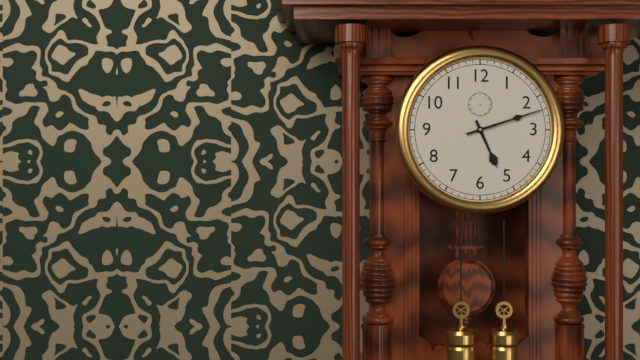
5.12
